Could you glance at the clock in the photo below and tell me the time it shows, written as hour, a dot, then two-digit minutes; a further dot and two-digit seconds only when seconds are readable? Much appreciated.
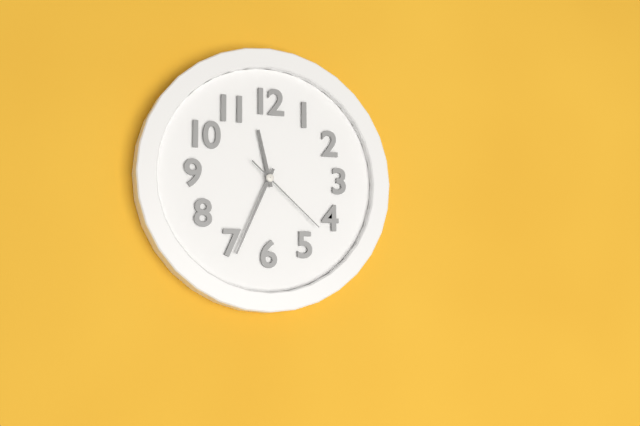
11.34.22
